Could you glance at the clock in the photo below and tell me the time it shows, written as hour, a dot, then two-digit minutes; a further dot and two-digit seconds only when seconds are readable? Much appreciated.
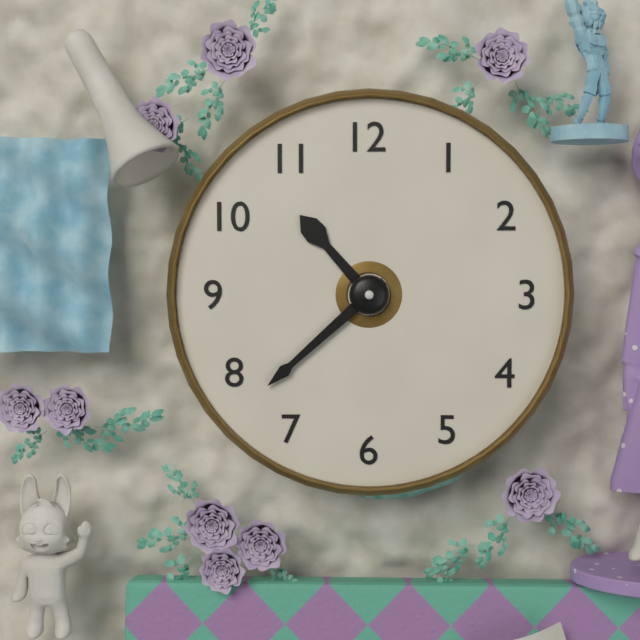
10.38
